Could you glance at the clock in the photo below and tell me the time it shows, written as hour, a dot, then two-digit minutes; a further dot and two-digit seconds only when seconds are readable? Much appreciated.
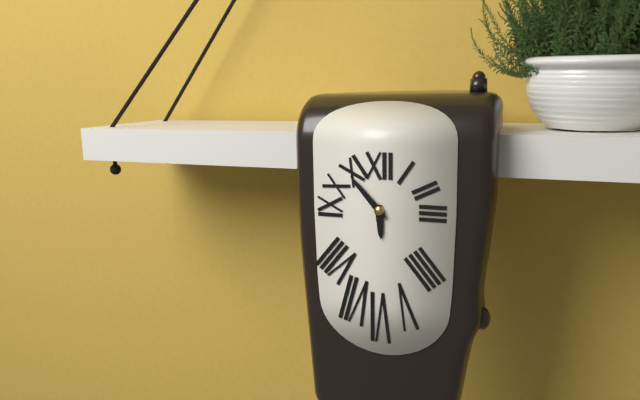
5.53
